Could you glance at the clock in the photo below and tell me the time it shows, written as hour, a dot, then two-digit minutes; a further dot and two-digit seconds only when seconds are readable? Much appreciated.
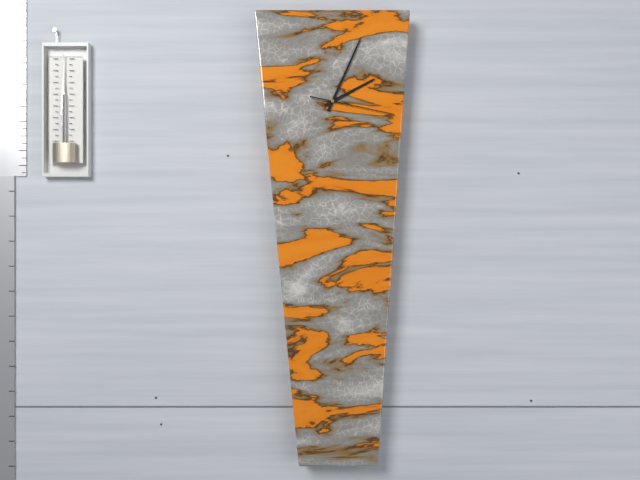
2.04.17
